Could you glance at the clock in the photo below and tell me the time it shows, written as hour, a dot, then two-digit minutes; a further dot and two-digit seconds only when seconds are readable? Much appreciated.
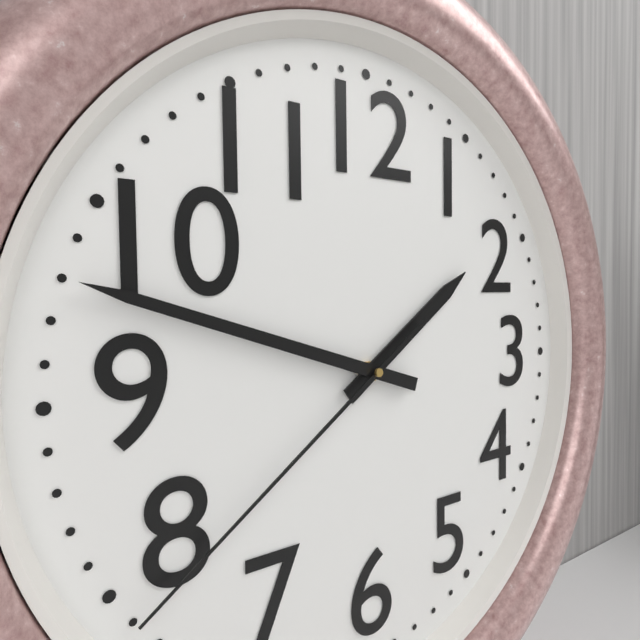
1.48.39
